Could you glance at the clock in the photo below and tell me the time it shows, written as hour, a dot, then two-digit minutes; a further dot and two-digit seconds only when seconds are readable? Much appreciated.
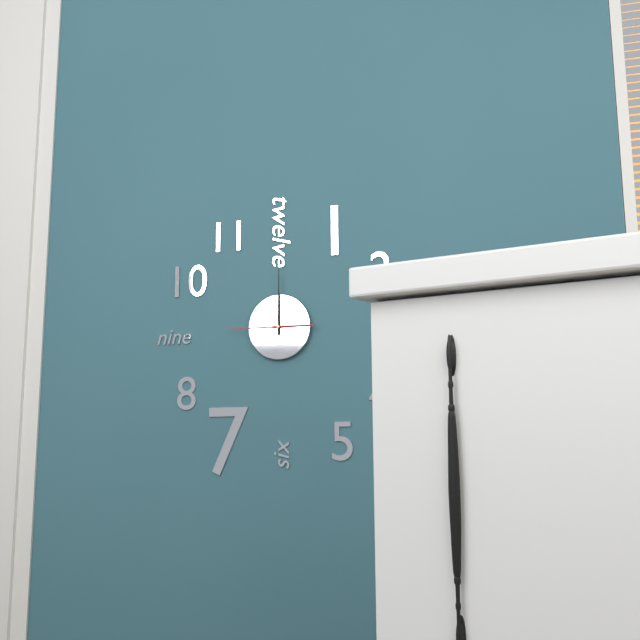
3.00.45
